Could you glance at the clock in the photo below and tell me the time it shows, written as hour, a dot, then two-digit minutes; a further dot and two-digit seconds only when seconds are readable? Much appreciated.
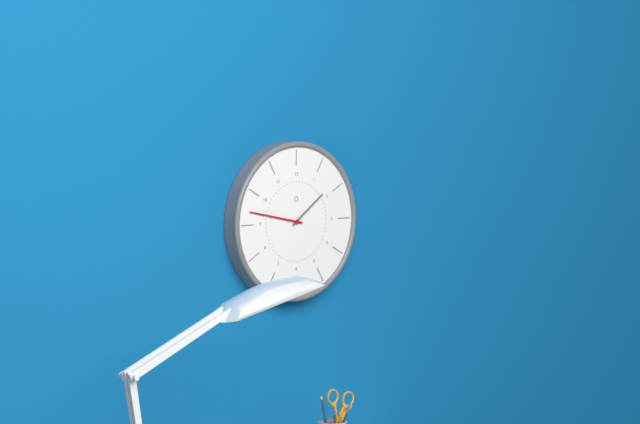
1.47
